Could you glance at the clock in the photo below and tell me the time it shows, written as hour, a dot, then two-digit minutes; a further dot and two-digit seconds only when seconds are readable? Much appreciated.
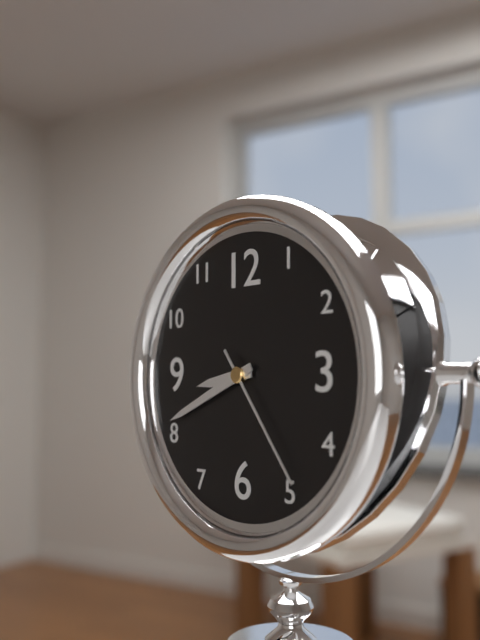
8.41.24
